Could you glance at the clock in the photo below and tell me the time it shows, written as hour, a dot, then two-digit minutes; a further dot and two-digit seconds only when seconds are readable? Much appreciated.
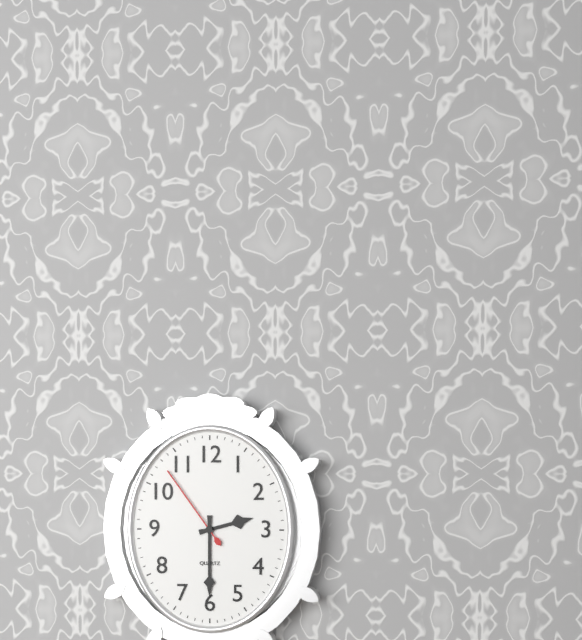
2.30.54
